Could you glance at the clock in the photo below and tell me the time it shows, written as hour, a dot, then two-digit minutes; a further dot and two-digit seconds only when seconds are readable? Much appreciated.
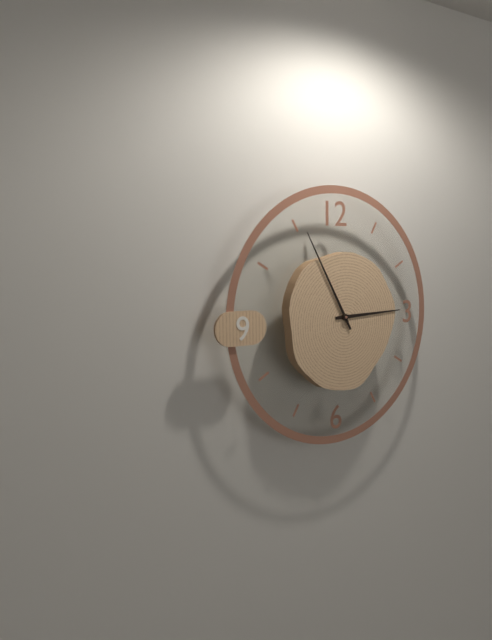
2.55
